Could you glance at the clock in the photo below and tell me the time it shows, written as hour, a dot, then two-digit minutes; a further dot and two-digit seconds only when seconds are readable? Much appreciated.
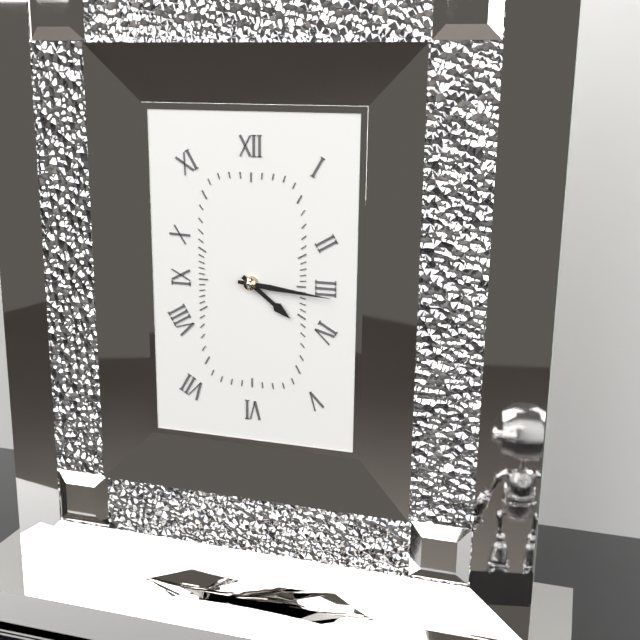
4.16
